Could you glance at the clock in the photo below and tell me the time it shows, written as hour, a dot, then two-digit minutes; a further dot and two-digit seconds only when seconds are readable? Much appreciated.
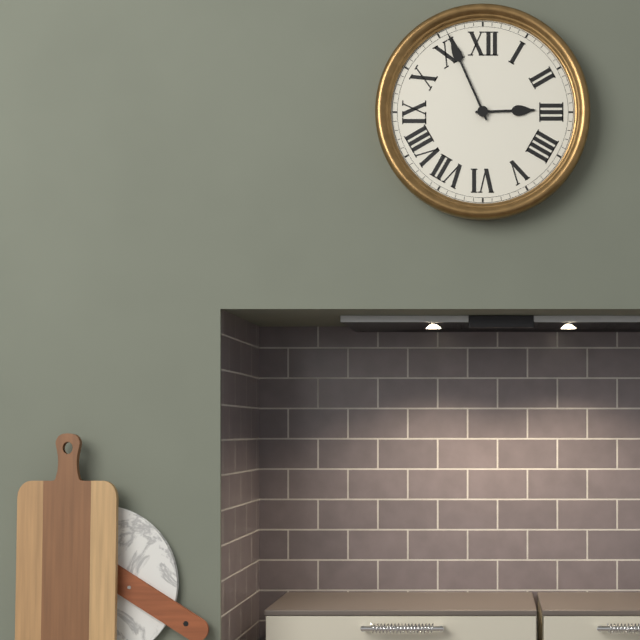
2.56
